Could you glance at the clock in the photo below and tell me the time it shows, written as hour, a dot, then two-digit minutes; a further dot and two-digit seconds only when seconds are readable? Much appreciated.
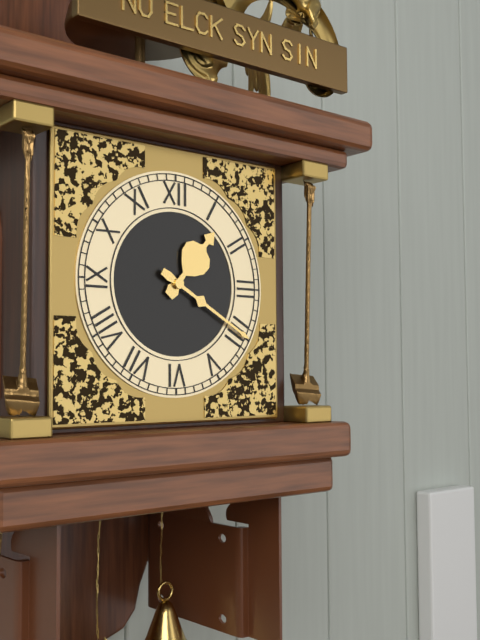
1.20
